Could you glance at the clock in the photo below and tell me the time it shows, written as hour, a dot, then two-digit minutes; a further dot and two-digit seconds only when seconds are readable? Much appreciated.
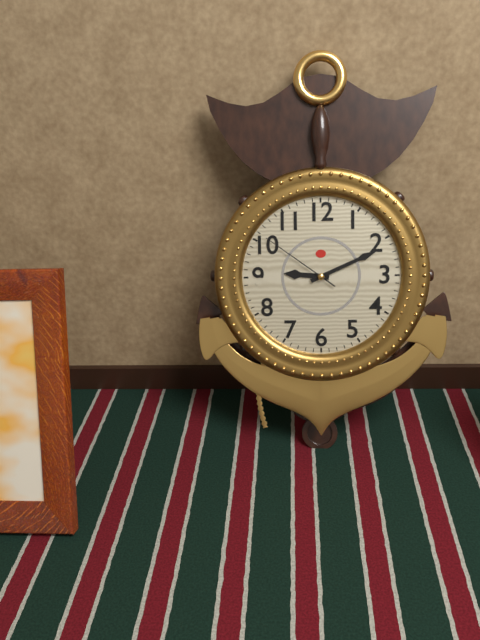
9.11.51
